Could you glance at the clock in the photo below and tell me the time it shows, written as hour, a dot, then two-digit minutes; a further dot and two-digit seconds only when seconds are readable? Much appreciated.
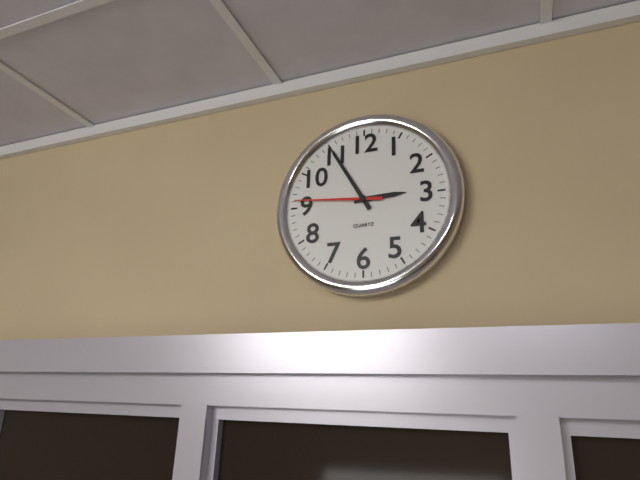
2.55.46
